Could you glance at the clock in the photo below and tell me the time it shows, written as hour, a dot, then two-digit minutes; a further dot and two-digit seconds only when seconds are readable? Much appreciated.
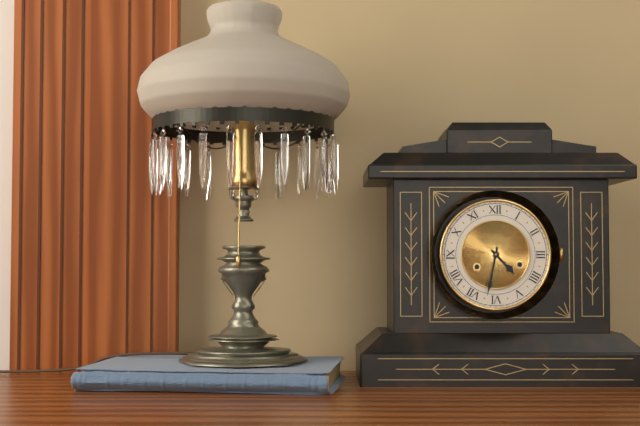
4.32
